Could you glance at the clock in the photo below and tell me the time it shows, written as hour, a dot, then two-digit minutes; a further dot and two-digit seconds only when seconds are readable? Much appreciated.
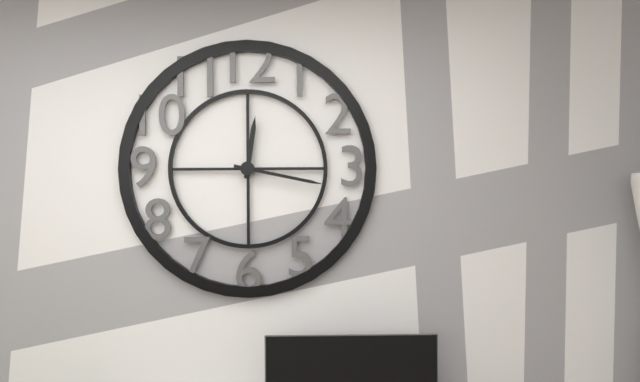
12.17
